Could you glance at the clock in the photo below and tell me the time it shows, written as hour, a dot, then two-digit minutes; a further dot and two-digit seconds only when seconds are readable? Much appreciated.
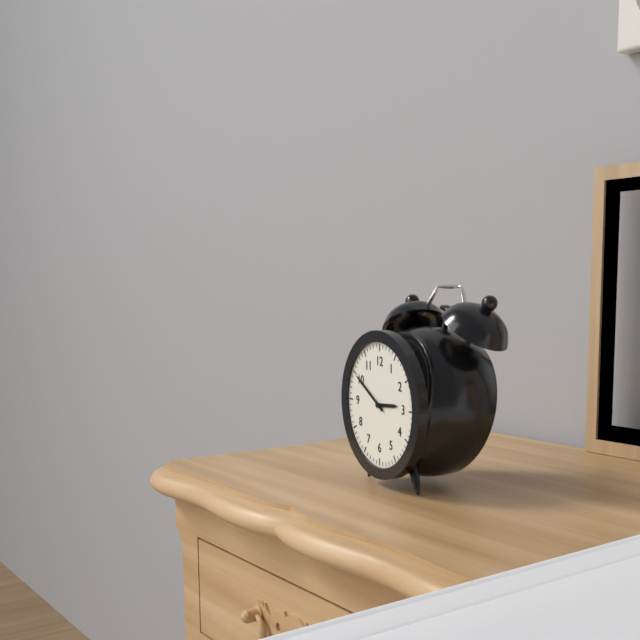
2.50
